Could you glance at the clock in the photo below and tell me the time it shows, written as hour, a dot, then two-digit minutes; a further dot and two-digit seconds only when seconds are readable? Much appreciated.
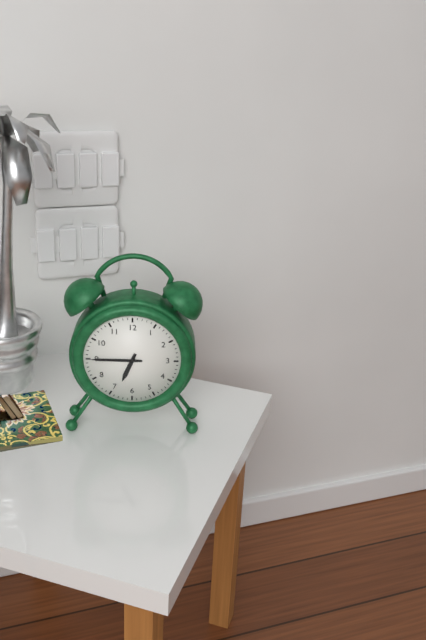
6.45
